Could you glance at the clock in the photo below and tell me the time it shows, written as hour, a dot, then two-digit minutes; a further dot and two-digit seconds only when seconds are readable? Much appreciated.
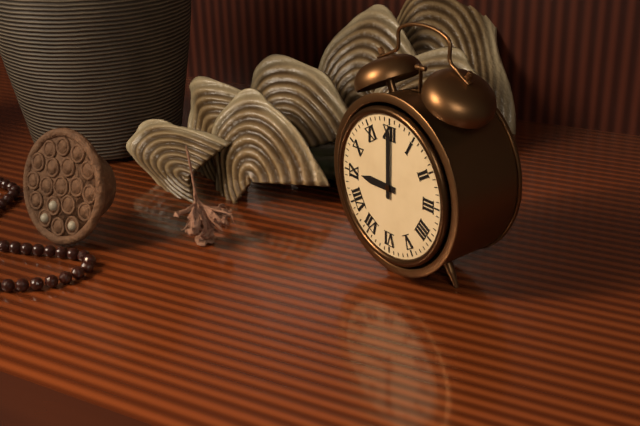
9.00
